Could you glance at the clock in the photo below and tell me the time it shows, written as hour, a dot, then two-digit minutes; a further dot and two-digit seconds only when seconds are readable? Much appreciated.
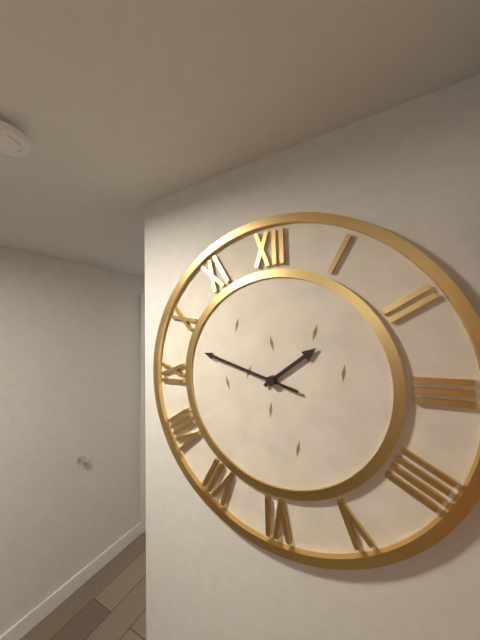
1.48
